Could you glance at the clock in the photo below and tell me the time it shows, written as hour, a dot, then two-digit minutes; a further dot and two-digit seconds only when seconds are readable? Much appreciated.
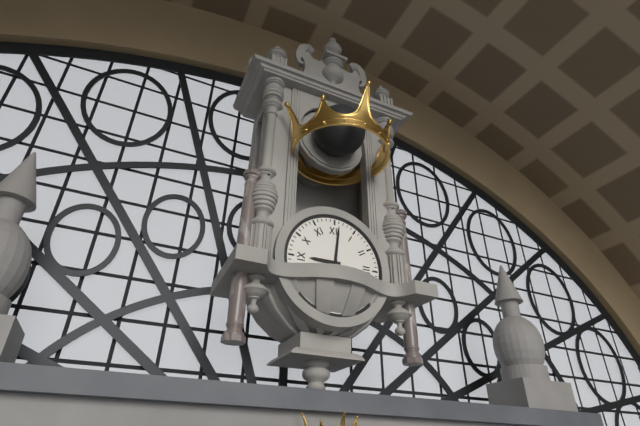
9.01
